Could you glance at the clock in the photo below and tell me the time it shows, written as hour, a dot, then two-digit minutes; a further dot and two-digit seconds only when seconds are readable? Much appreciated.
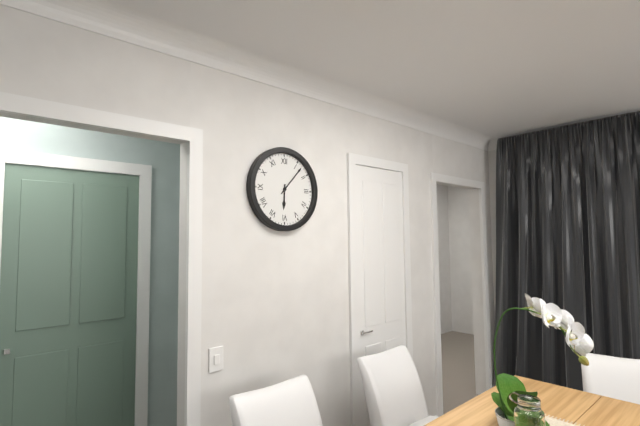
6.07
